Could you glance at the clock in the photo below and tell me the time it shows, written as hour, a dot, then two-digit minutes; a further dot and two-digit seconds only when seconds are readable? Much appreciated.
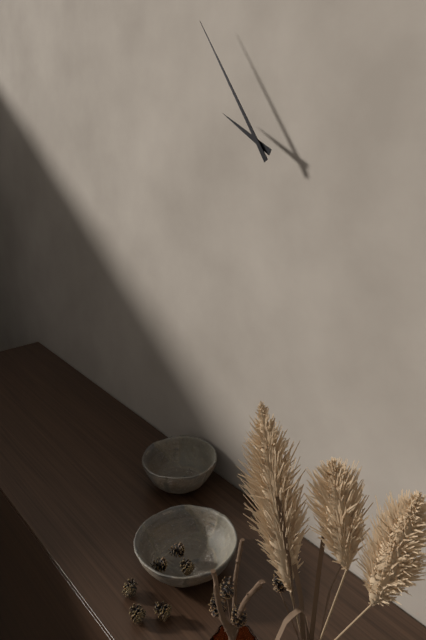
9.54
